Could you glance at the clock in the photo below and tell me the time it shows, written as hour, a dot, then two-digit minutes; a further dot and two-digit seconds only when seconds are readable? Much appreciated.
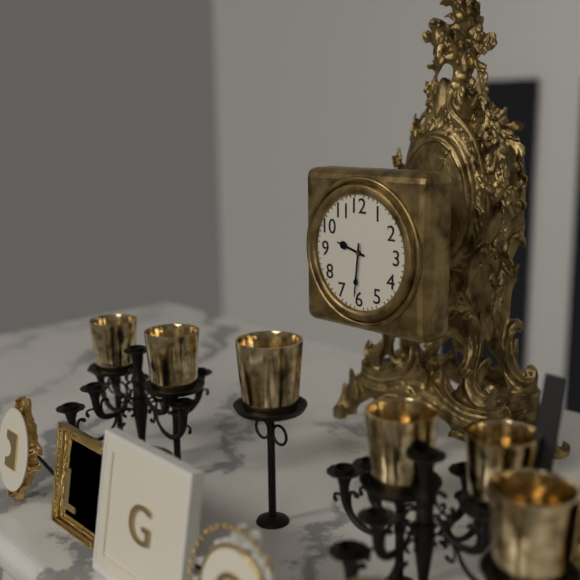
9.31
